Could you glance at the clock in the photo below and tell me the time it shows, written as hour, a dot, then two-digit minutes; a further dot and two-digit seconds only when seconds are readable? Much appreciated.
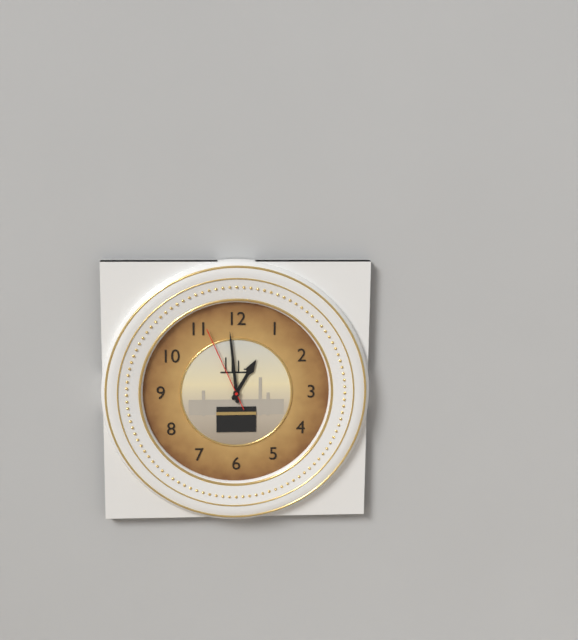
12.59.56
